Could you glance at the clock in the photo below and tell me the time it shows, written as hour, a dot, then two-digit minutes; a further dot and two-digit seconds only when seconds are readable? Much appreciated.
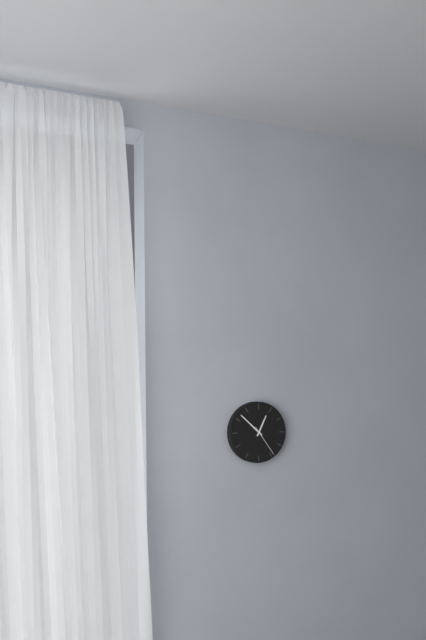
12.52
